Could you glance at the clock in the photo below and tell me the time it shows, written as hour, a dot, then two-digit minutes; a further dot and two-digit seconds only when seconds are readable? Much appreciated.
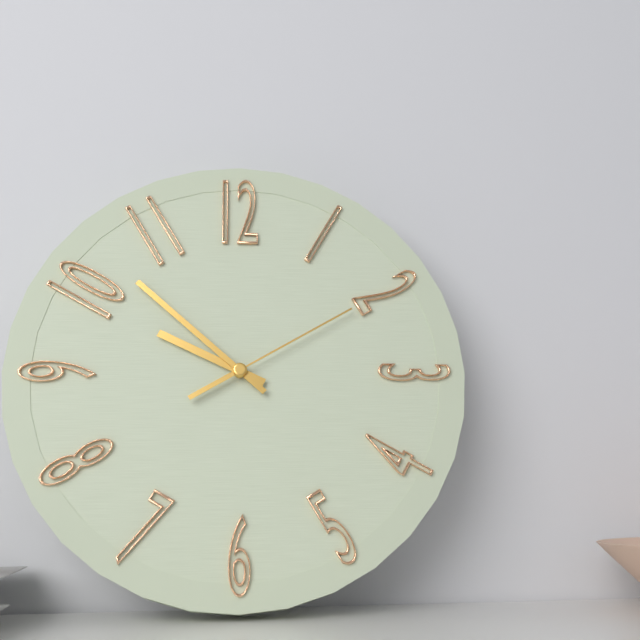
9.52.10
